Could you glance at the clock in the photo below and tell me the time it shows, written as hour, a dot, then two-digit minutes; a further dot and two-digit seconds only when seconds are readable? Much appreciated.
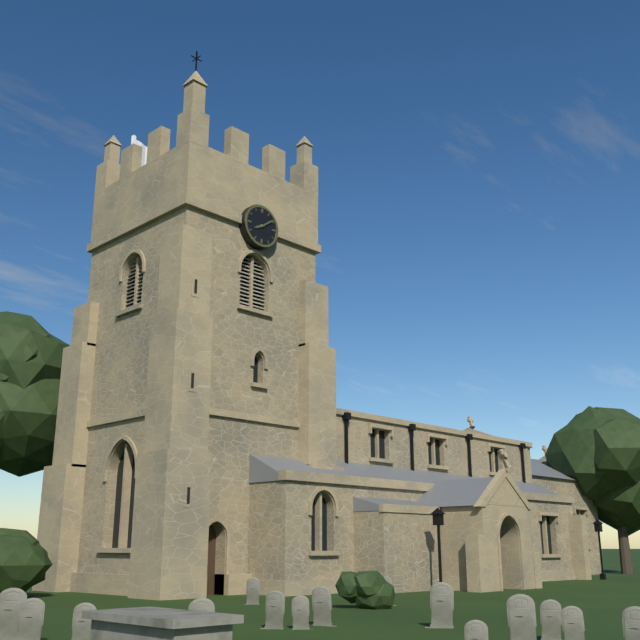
8.09
